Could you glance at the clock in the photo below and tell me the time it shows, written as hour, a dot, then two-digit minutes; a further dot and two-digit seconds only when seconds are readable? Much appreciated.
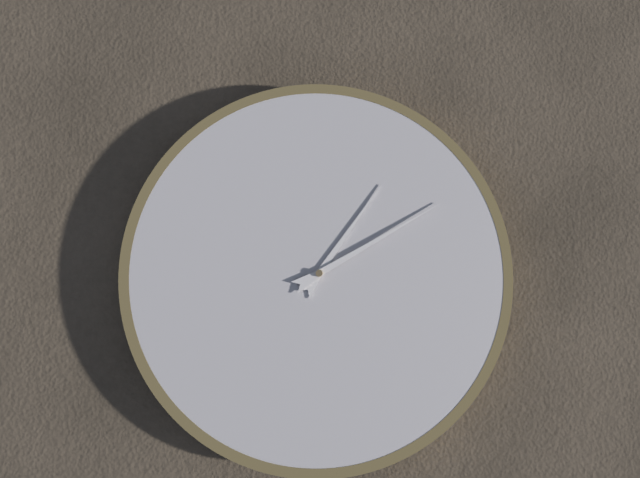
1.10
